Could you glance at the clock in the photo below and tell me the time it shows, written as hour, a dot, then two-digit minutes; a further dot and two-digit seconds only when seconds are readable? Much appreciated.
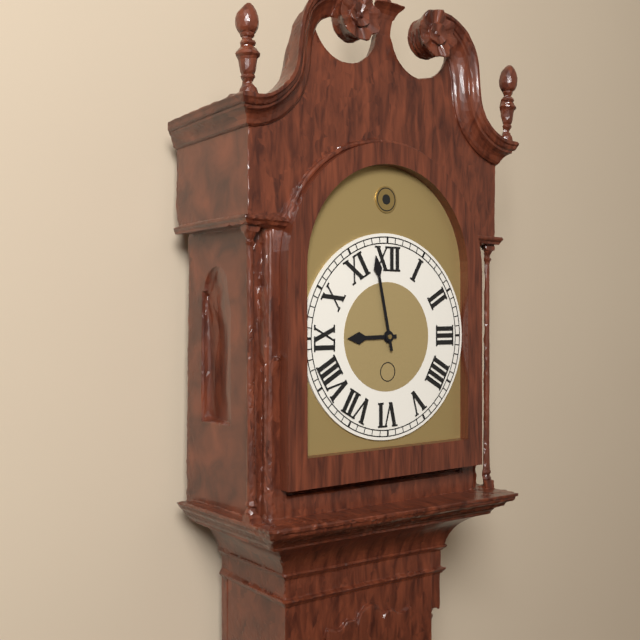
8.58
